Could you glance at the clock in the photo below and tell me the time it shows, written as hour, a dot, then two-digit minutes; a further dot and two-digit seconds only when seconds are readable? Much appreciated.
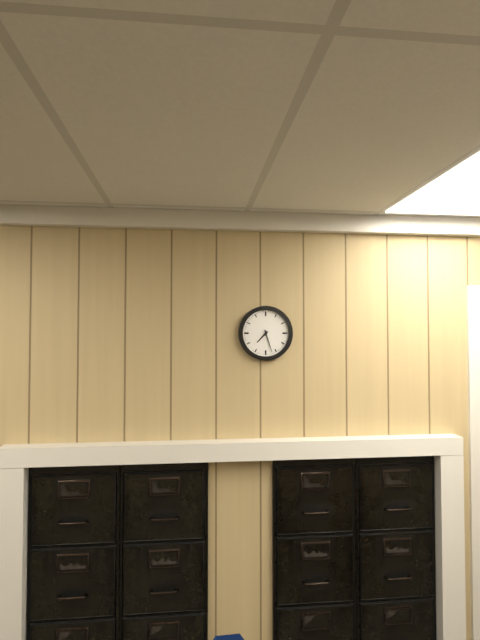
7.27
